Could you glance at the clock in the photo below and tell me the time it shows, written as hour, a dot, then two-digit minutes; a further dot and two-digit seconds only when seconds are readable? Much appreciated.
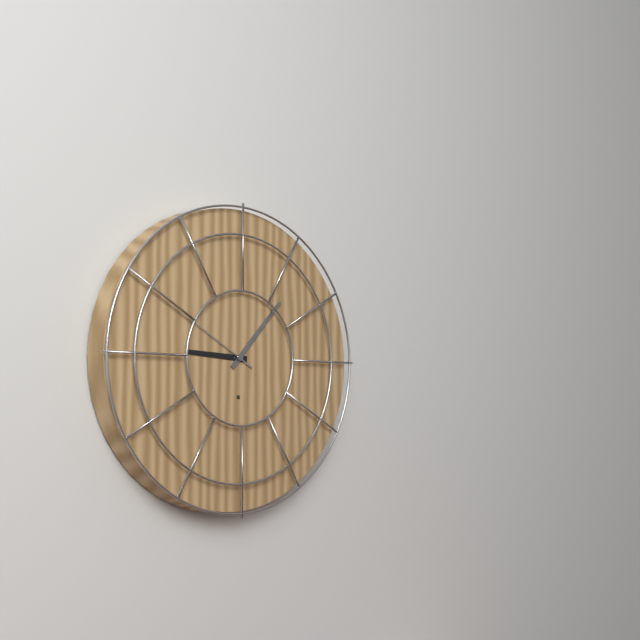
9.07.50
